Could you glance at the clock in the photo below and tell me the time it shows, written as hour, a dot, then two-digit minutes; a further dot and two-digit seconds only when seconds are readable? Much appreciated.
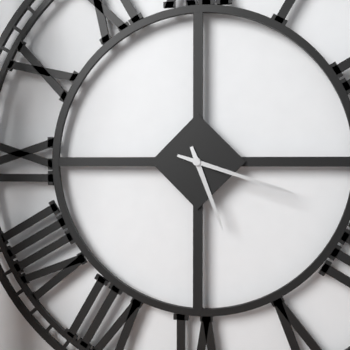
5.18
